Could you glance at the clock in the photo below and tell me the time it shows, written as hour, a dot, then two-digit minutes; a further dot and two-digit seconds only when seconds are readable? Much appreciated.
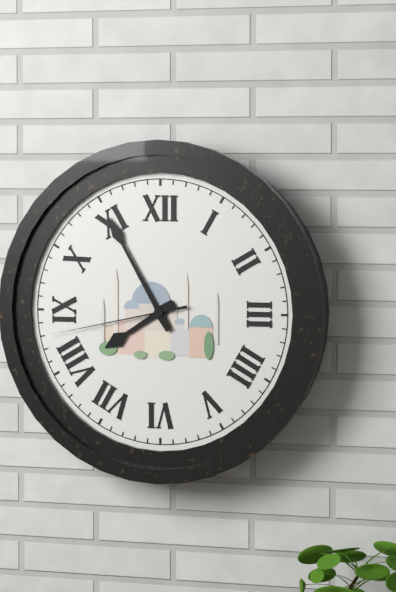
7.55.43
